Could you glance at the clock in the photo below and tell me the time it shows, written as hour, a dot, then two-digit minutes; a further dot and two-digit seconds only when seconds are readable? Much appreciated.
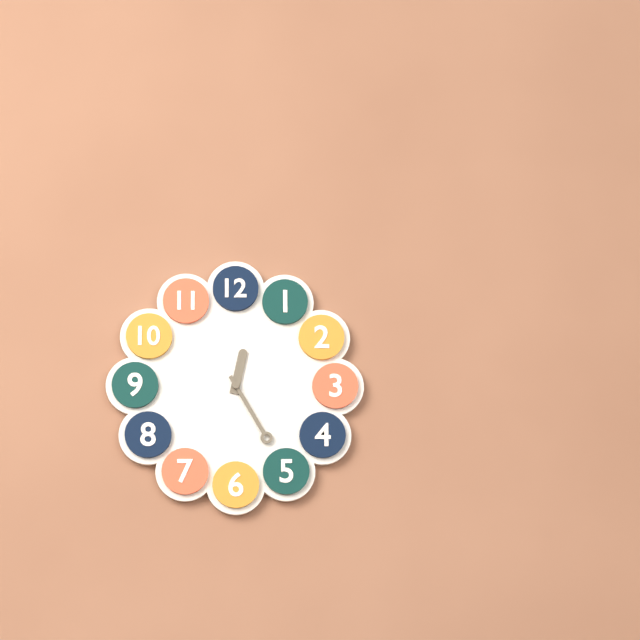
12.25
